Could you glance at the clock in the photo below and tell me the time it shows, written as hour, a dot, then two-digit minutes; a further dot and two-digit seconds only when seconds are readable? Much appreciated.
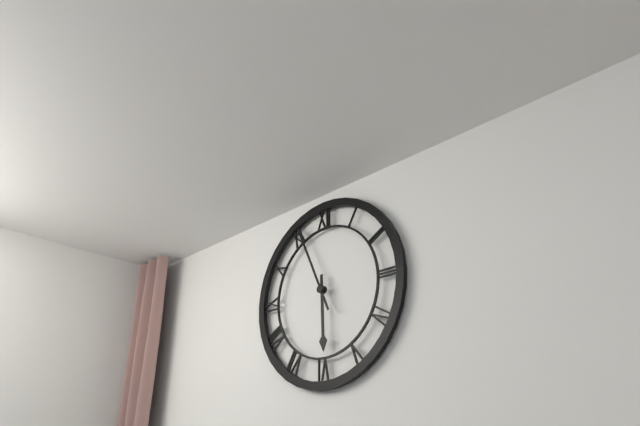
5.56
